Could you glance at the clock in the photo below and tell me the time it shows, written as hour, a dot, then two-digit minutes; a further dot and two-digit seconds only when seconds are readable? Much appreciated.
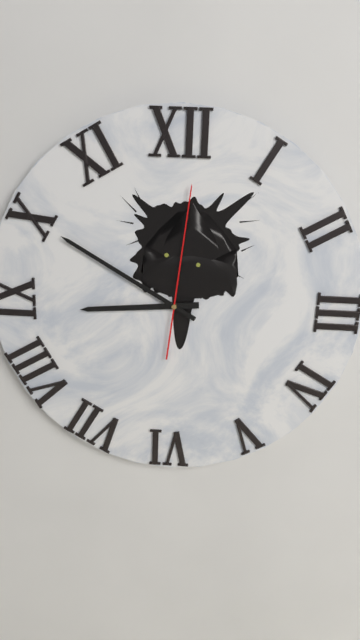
8.50.01
